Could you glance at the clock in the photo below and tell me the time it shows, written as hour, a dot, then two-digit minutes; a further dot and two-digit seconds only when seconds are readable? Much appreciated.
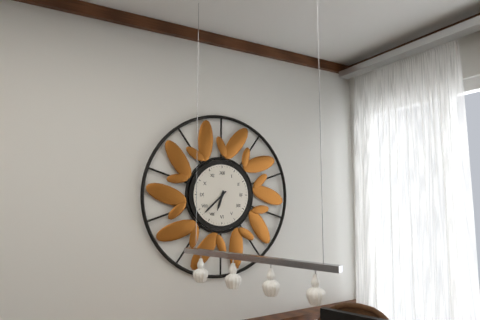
6.38
